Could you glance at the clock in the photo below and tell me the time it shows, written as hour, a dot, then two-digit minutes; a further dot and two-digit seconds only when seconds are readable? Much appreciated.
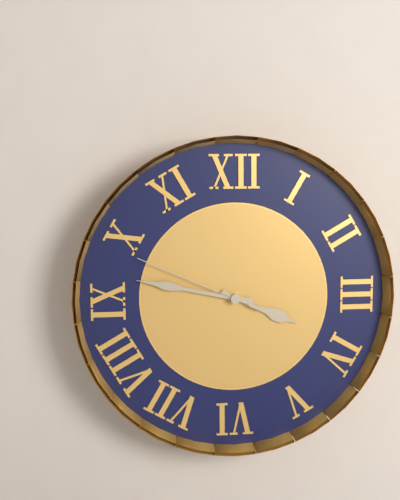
3.47.49
